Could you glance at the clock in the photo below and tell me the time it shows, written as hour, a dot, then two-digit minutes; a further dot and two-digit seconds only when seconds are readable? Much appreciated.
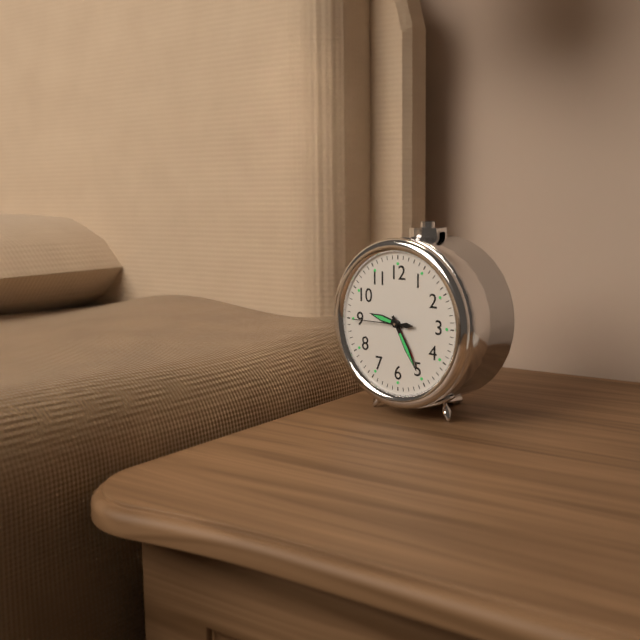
9.25.45
